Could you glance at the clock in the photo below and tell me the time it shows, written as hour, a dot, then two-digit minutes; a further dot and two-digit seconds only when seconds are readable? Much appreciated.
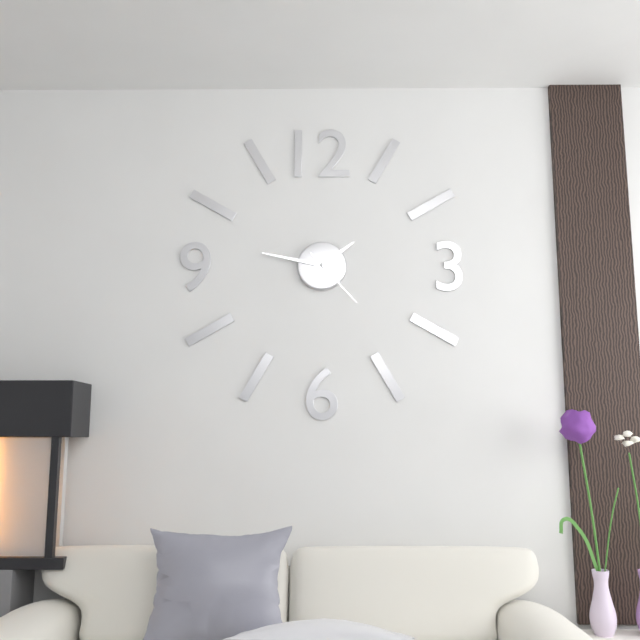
1.47.23
